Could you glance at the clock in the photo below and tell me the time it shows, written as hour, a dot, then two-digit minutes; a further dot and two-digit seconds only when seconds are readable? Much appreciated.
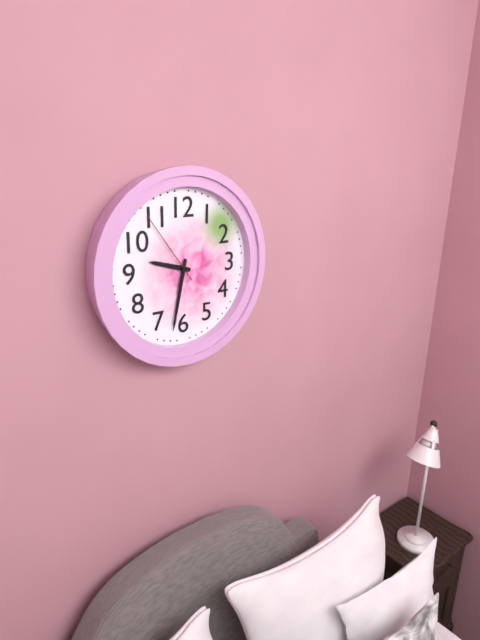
9.32.54
